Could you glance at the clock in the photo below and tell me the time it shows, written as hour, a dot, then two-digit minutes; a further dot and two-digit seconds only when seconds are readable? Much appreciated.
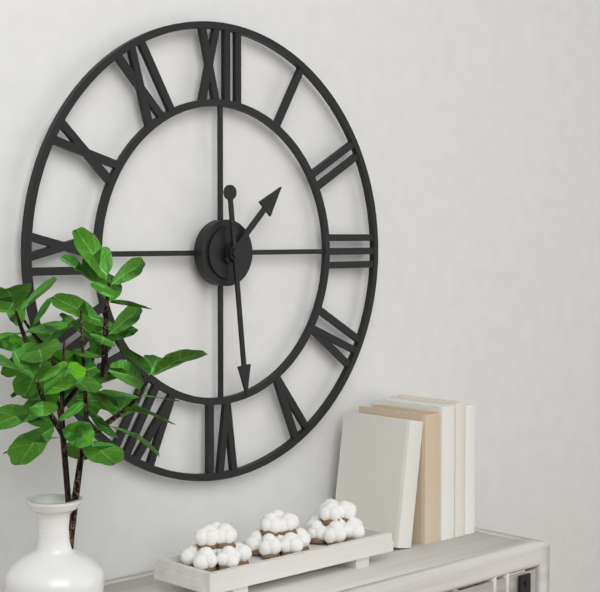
1.29
